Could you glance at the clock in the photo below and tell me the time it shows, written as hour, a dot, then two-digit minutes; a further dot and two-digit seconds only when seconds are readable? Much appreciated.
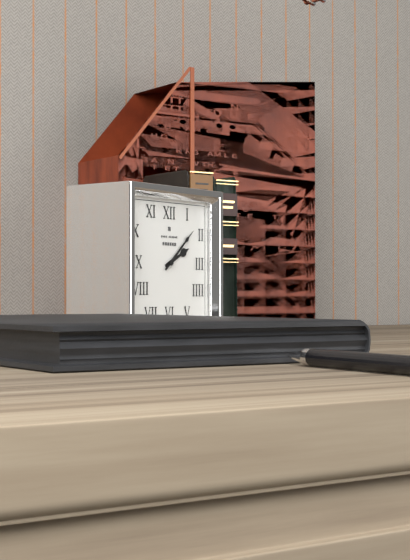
2.08
